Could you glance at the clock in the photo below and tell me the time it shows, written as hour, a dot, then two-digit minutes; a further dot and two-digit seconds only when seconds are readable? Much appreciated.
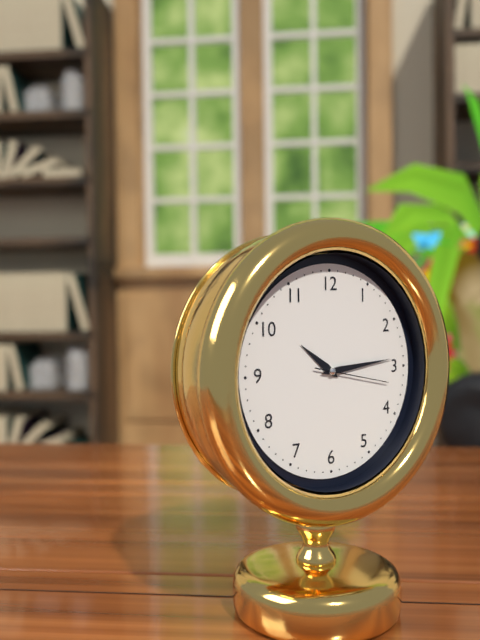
10.14.17
